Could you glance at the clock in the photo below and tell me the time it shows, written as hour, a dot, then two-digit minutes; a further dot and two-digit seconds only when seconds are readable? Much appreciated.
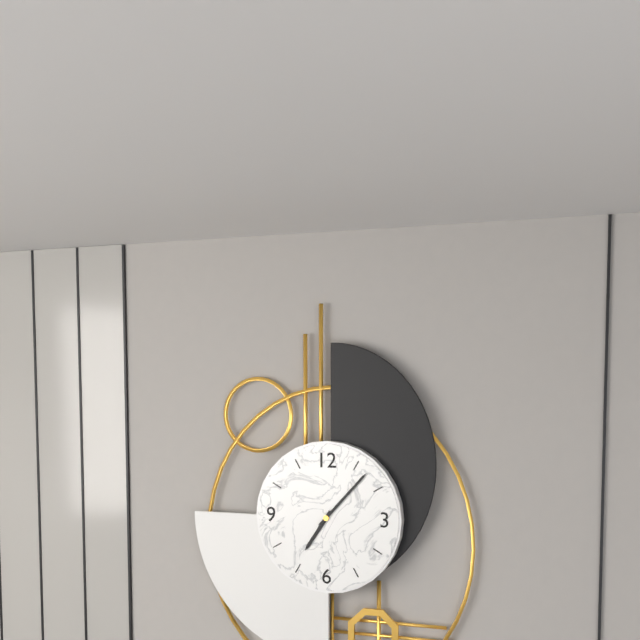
7.07
